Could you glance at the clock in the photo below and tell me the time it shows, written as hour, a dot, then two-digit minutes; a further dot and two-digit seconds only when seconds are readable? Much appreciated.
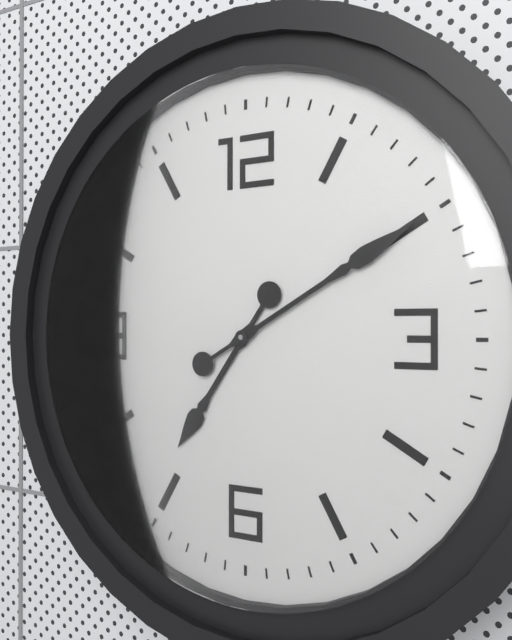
7.10
